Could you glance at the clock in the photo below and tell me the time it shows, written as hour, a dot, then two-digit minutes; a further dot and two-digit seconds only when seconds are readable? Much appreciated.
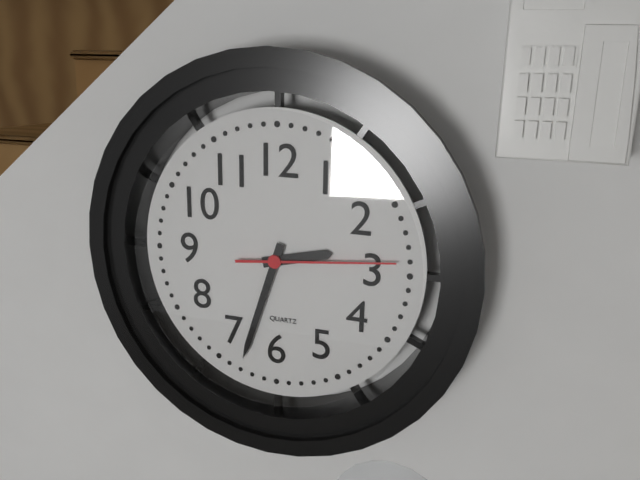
2.33.14
